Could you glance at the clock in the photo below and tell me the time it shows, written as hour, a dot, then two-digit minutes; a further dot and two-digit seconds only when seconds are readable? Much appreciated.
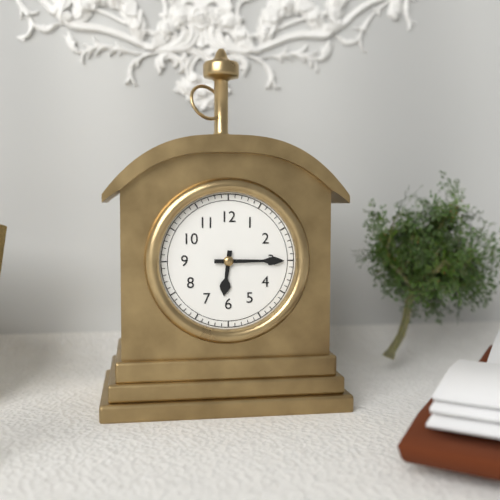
6.15
